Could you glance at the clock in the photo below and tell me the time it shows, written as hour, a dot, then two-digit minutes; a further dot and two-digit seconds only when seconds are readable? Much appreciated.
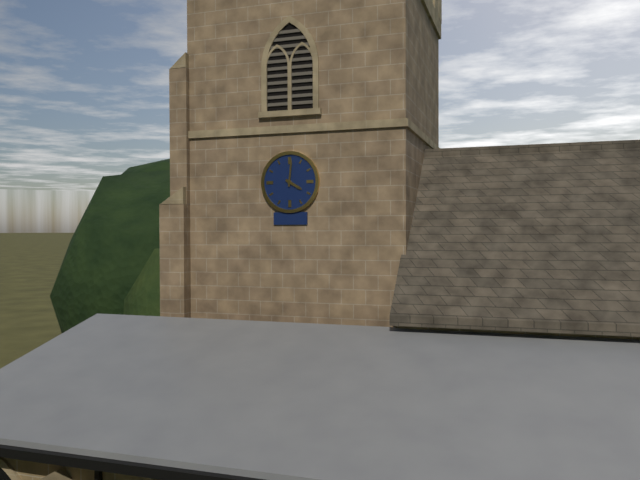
4.01
